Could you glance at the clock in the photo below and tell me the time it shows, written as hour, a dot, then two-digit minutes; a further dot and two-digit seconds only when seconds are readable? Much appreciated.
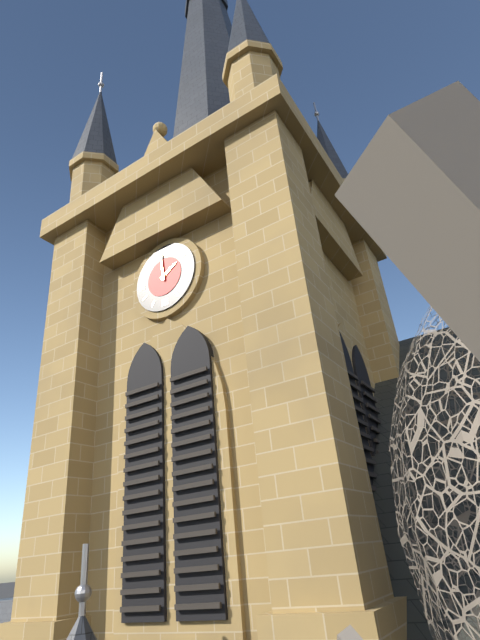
1.59
